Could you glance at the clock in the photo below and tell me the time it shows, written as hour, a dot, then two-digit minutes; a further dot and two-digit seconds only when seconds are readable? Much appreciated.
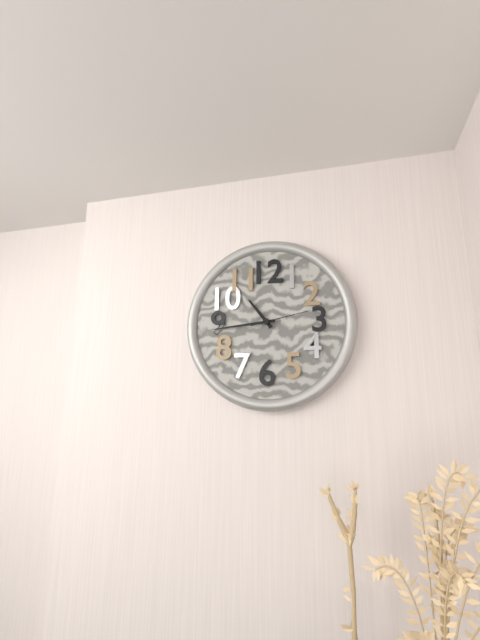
10.44.13
